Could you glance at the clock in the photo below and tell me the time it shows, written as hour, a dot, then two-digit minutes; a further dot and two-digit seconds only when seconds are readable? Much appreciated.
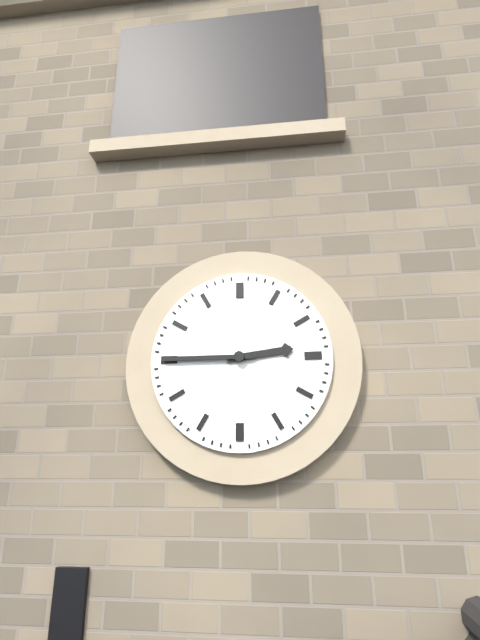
2.45
